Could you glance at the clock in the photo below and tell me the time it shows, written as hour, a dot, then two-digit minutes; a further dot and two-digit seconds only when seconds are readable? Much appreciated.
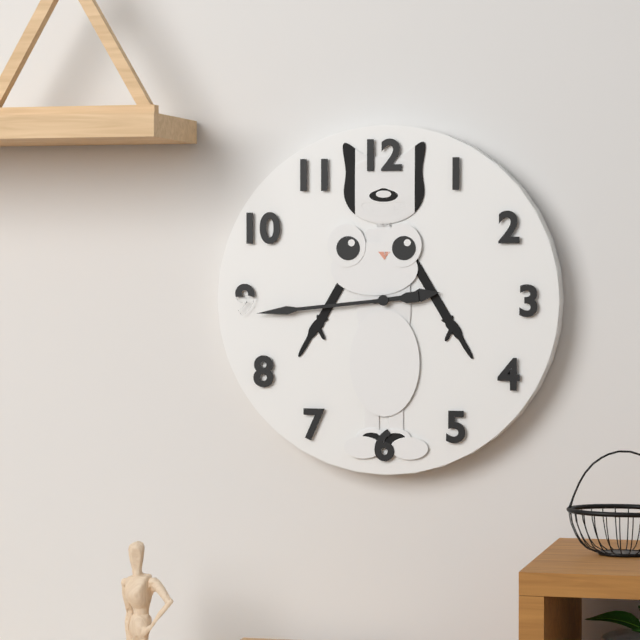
2.44
